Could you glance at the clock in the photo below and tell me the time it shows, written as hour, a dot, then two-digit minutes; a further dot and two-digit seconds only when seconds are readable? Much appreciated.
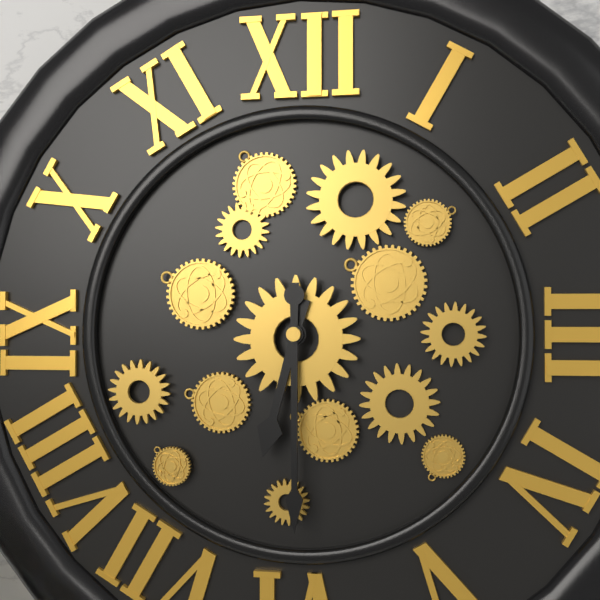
6.30
